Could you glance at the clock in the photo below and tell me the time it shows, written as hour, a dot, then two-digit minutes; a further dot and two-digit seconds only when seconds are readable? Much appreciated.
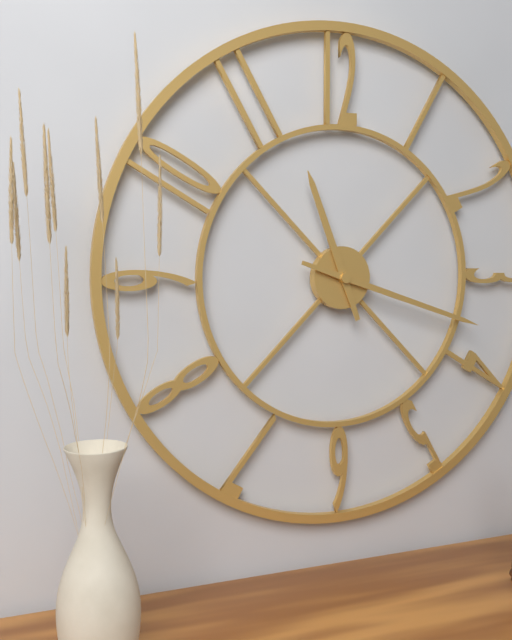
11.18
